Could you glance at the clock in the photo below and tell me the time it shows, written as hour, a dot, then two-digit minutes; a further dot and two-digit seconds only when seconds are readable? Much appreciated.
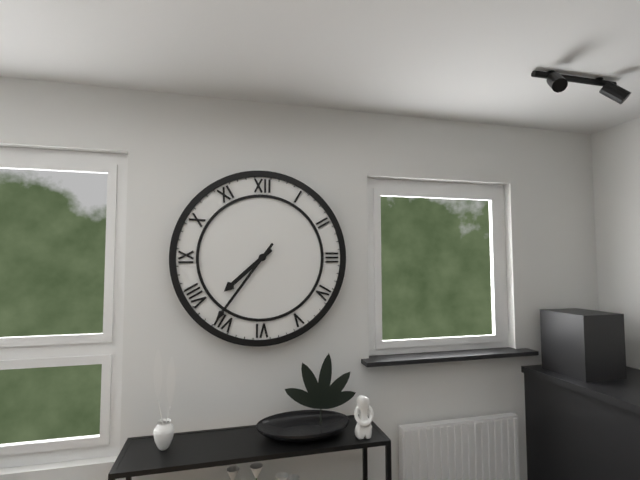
7.36
